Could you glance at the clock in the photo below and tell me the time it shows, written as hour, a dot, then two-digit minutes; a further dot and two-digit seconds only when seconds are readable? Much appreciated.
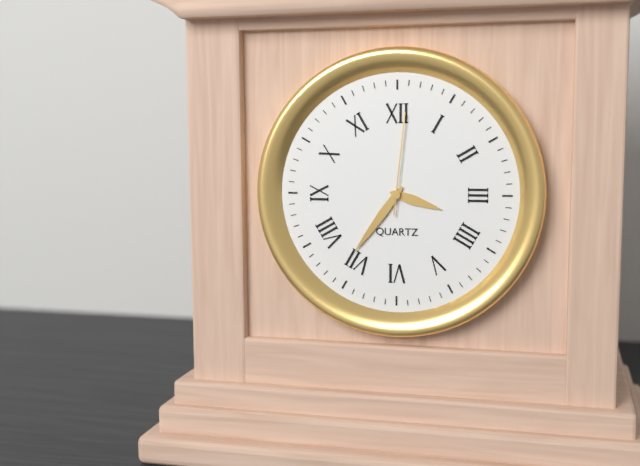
3.36.01
